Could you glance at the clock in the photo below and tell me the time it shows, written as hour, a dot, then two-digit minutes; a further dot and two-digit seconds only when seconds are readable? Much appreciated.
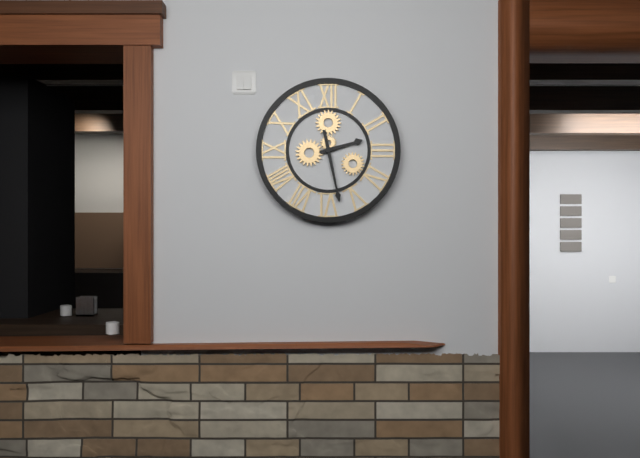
2.28
